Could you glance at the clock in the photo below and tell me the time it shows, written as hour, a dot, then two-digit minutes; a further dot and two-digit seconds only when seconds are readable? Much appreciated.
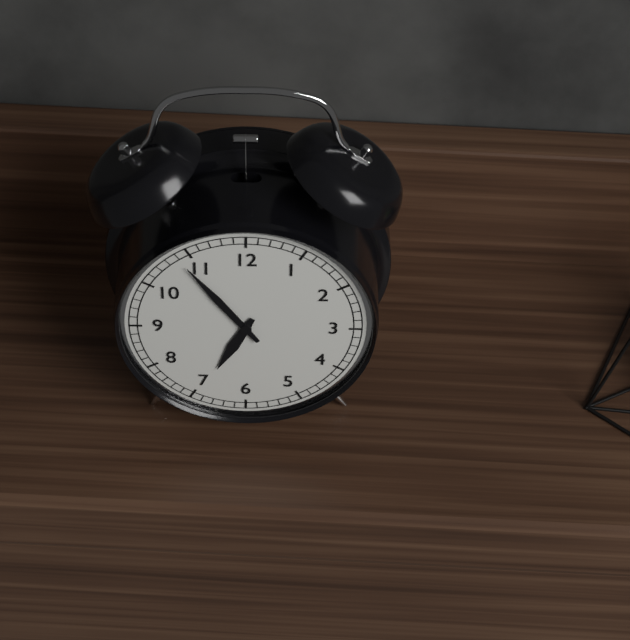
6.54
